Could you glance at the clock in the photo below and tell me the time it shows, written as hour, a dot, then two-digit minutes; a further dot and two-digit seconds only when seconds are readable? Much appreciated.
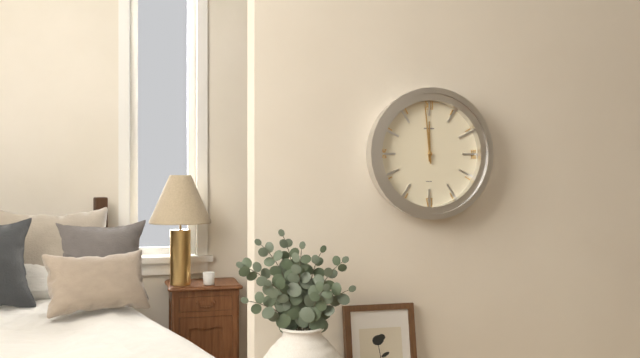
11.59
